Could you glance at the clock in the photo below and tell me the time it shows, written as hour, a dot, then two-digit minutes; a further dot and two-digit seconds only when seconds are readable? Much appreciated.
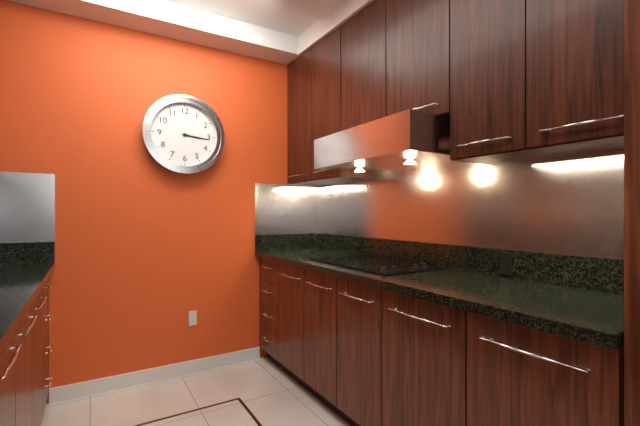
3.16
